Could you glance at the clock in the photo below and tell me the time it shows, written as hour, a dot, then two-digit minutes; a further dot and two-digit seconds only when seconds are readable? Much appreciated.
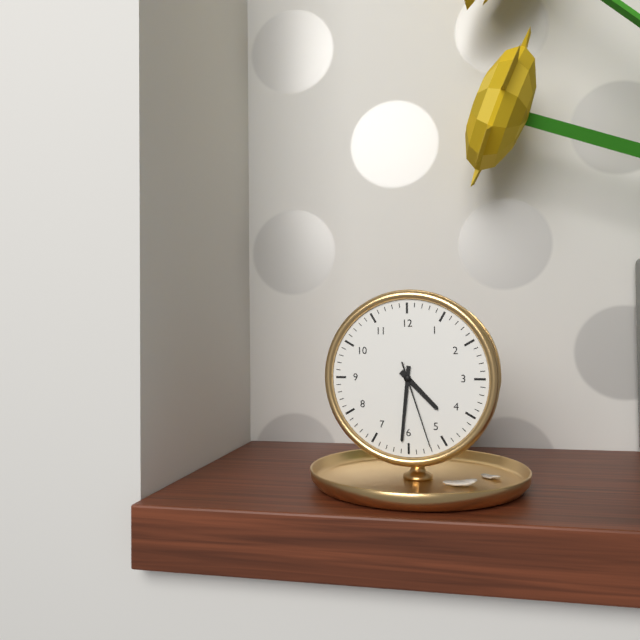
4.31.27
